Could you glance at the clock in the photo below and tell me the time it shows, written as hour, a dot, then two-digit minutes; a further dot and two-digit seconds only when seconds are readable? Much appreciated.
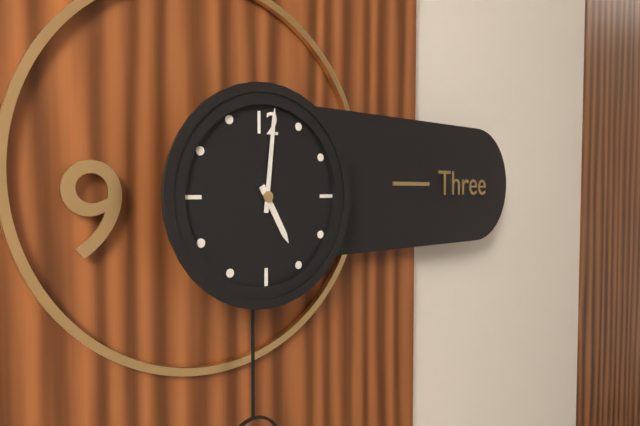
5.01
